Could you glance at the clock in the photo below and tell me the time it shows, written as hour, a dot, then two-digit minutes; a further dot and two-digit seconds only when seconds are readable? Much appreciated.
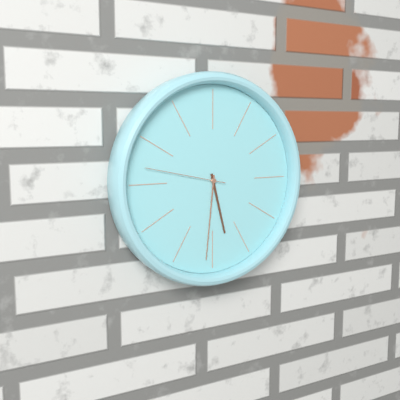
5.31.47
